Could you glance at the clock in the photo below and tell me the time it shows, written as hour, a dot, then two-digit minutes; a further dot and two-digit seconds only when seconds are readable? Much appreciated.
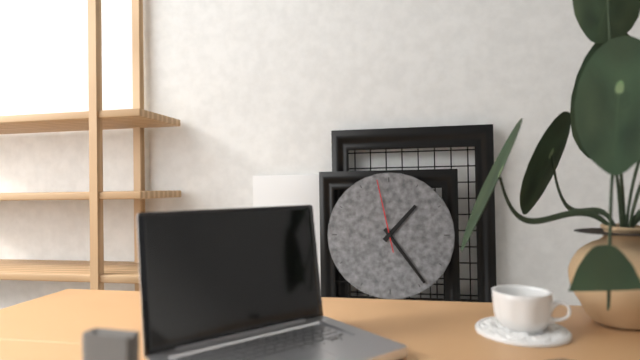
1.24.58
